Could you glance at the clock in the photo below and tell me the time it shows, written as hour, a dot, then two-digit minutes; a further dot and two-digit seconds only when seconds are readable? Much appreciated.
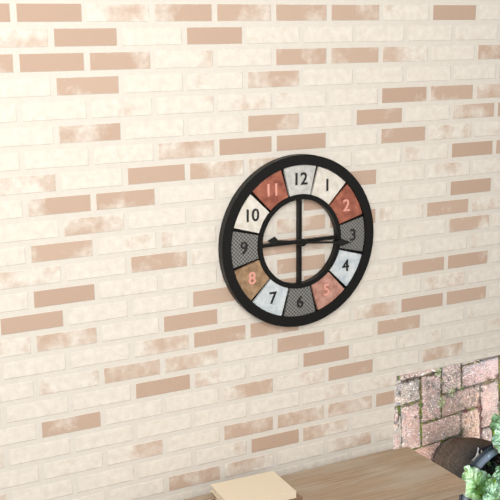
9.16
